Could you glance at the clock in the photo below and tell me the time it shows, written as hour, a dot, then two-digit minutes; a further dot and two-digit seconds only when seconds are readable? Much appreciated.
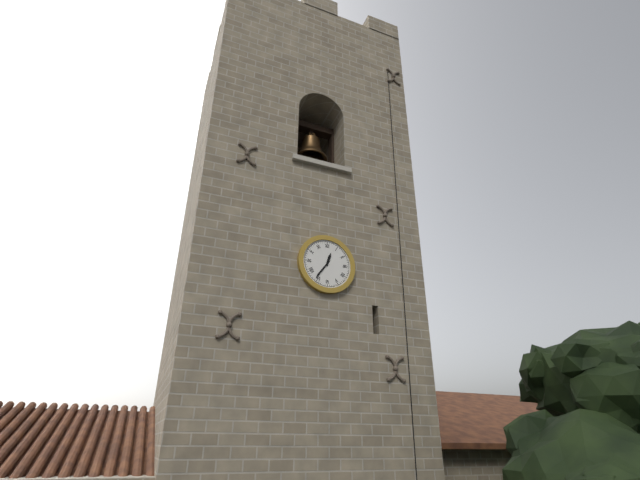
12.36
